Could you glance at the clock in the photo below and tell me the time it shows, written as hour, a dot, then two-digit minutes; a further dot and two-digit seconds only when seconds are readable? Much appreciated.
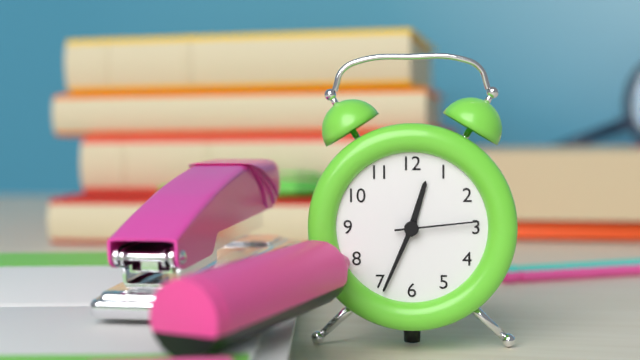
12.34.14
